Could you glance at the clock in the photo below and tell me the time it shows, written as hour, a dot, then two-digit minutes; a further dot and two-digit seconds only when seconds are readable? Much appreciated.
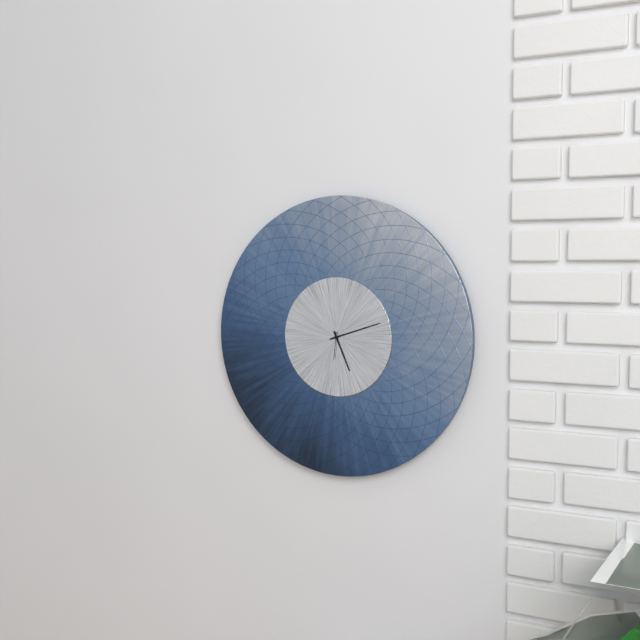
5.12
